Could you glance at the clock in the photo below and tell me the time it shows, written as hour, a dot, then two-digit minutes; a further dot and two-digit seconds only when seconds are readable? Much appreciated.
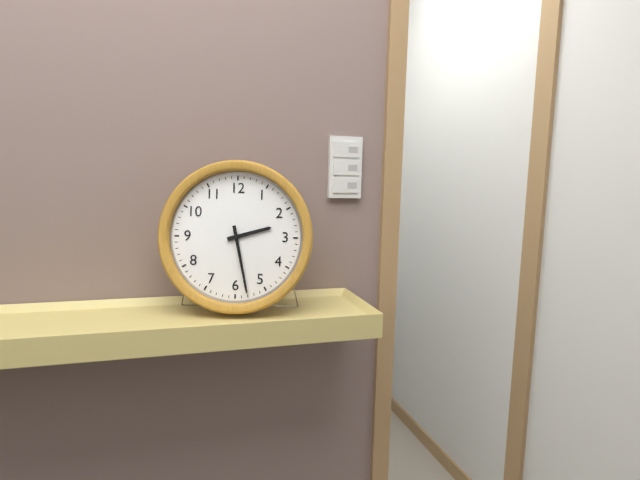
2.28
